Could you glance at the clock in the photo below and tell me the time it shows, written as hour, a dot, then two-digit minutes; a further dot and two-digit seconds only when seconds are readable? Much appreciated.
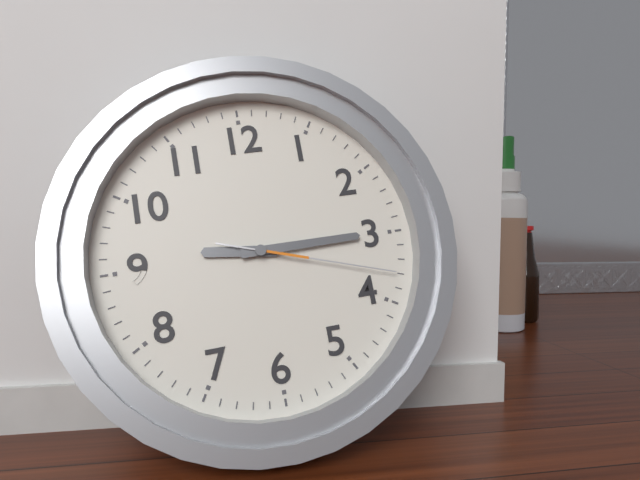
9.15.18
